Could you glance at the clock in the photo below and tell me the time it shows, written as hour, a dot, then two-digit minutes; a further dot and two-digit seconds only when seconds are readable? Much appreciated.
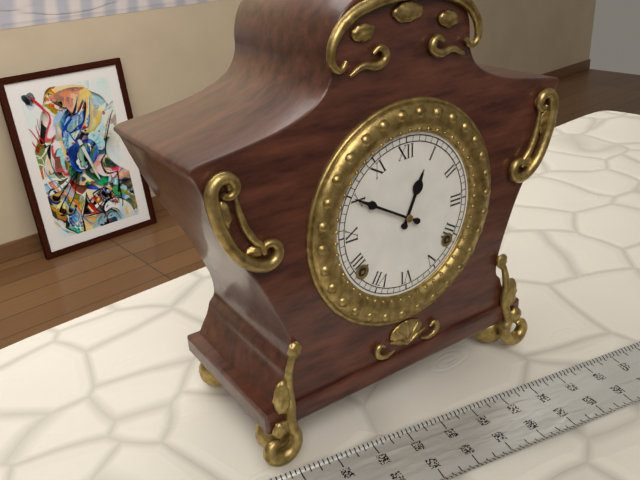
12.50
